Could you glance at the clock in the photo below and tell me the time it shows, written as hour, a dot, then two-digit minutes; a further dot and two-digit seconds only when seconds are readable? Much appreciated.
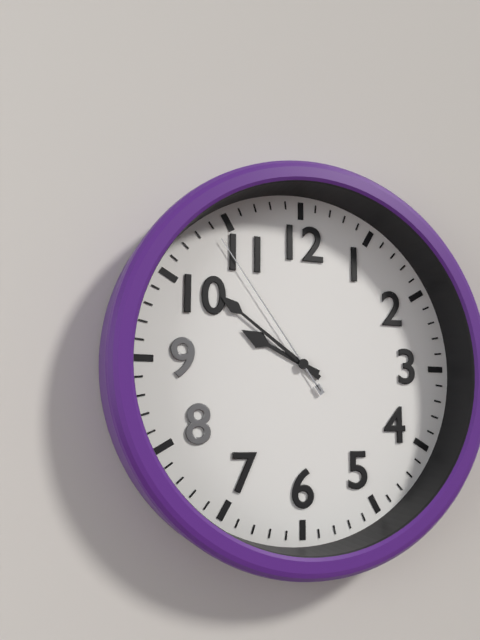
9.51.54
